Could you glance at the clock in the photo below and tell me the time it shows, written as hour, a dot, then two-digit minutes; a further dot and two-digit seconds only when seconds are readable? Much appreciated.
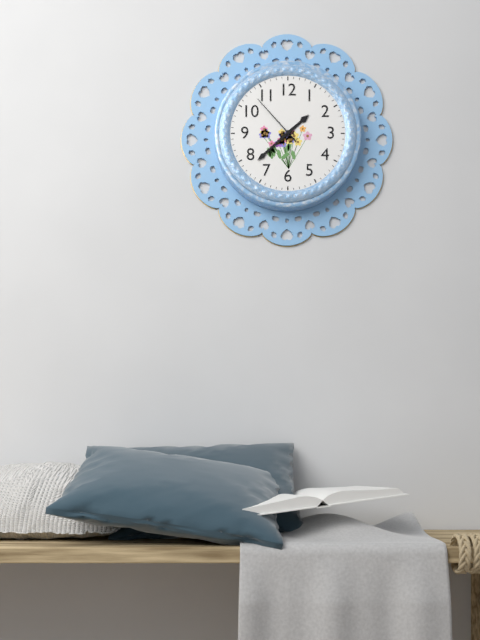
1.38.53
